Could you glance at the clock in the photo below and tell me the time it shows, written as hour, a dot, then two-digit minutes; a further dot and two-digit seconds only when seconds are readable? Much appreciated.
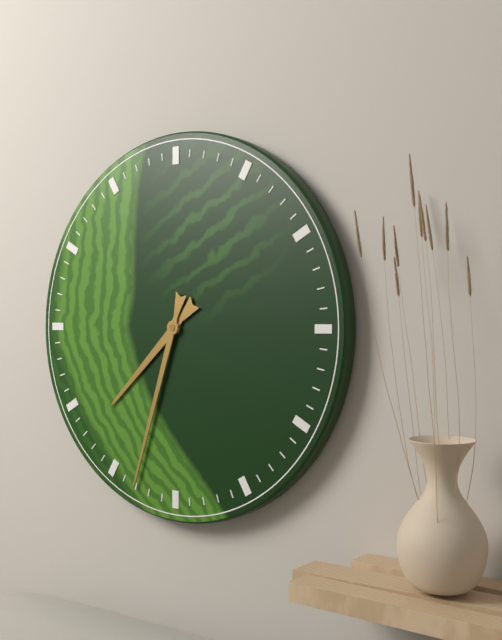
7.33
